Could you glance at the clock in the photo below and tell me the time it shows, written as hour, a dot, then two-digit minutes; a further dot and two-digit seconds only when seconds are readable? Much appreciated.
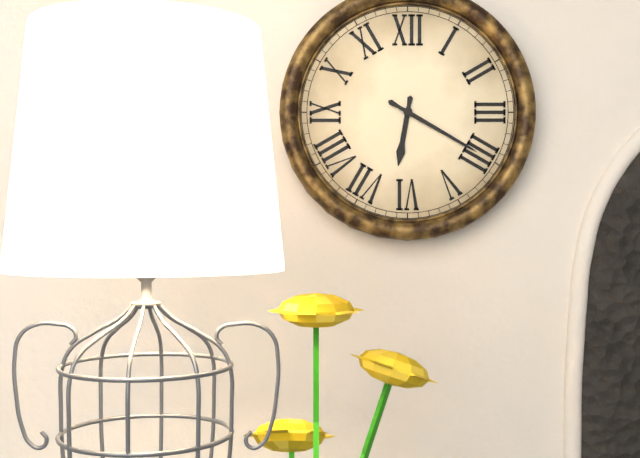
6.20
